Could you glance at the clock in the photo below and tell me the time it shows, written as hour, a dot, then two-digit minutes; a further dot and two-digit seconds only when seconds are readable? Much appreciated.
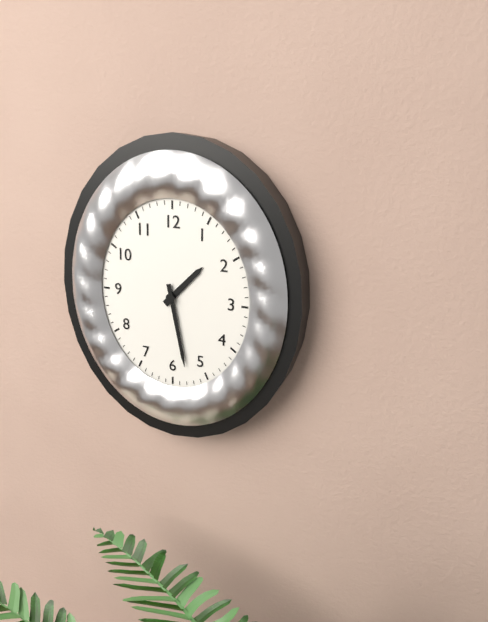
1.28
